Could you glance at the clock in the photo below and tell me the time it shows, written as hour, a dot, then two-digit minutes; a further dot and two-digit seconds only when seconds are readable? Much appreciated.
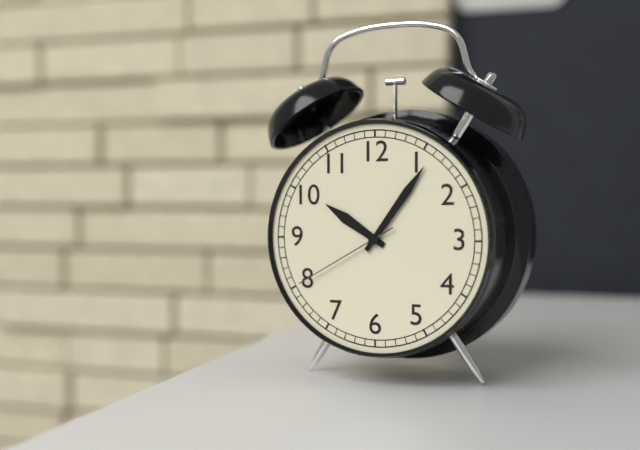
10.06.40
